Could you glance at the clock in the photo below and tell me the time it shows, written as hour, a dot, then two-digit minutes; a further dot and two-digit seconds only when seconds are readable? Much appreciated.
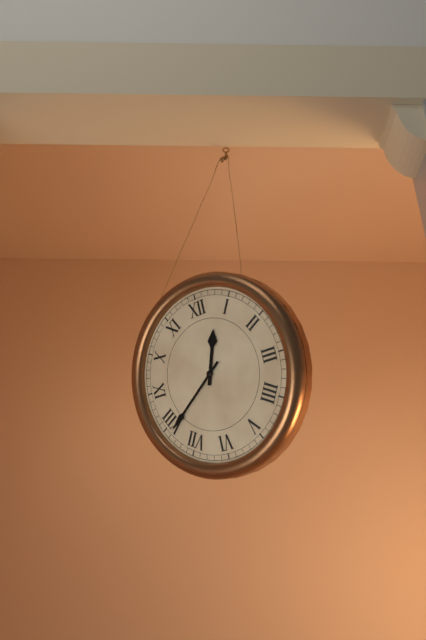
12.39
